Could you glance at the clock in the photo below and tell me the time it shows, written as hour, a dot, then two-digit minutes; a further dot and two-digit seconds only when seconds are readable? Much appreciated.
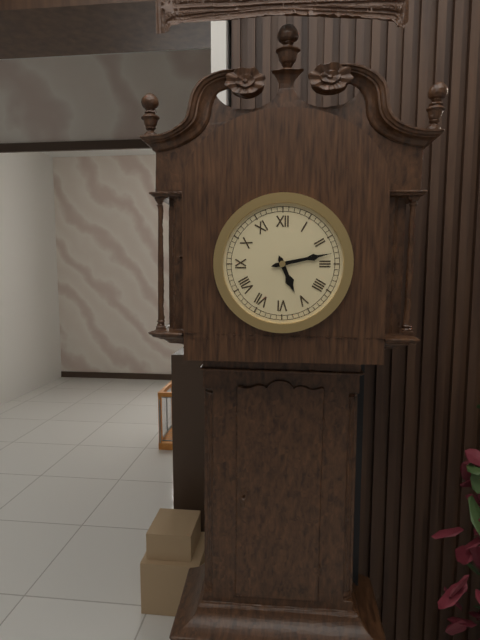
5.13
